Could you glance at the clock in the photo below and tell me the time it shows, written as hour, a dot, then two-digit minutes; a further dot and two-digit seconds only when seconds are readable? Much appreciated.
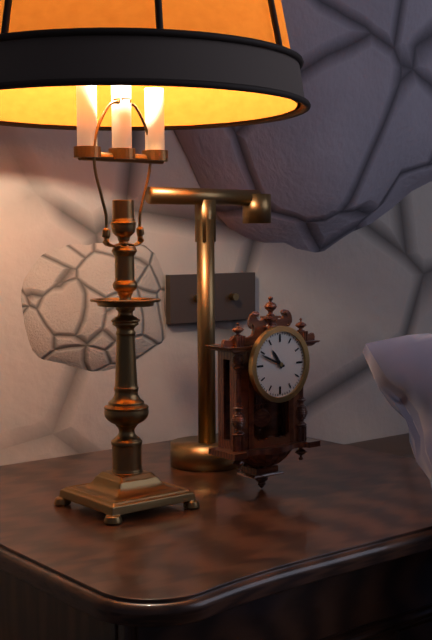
10.49
